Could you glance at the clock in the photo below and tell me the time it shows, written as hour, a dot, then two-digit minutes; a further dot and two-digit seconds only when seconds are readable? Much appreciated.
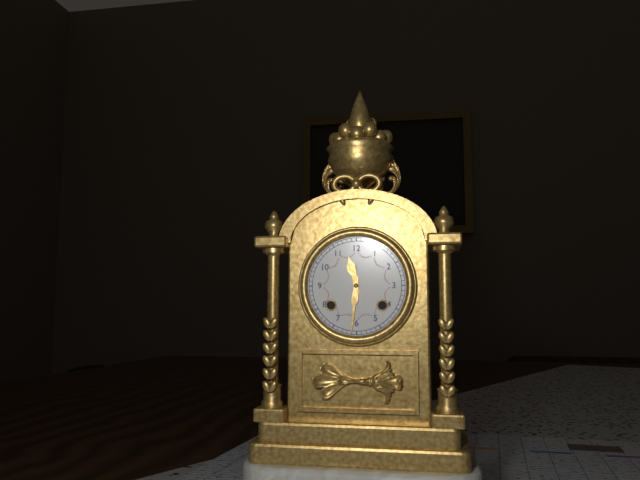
11.31
